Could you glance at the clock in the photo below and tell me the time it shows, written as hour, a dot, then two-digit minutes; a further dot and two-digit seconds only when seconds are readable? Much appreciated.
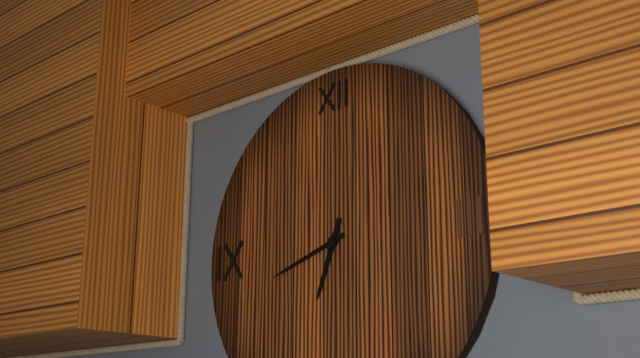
6.42
